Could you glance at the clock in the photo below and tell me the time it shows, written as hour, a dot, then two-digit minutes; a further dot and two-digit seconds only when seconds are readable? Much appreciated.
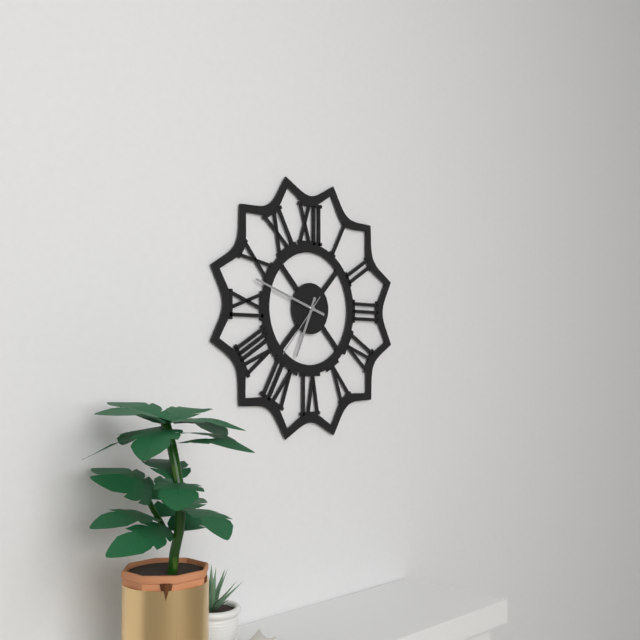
6.48.37
